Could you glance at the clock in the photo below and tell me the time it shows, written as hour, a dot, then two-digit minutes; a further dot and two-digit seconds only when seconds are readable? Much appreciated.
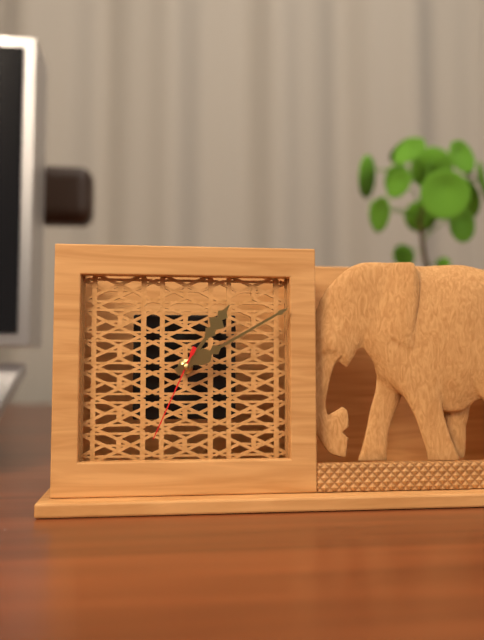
1.10.34
